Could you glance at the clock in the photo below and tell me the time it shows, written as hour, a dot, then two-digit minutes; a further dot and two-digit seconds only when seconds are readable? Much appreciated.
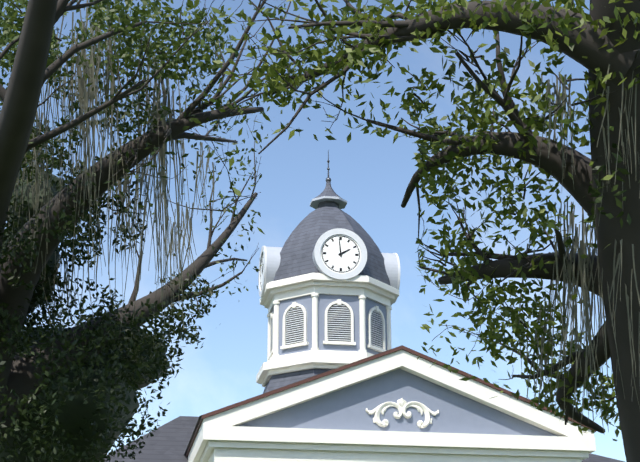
1.59
